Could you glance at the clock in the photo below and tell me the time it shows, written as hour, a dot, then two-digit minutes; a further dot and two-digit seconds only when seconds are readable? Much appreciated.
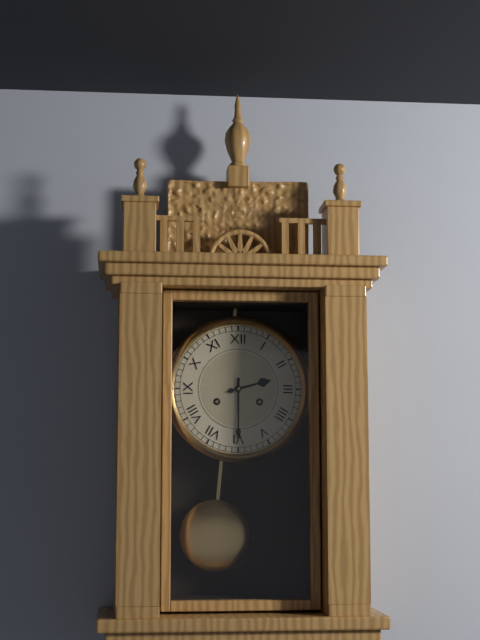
2.30
